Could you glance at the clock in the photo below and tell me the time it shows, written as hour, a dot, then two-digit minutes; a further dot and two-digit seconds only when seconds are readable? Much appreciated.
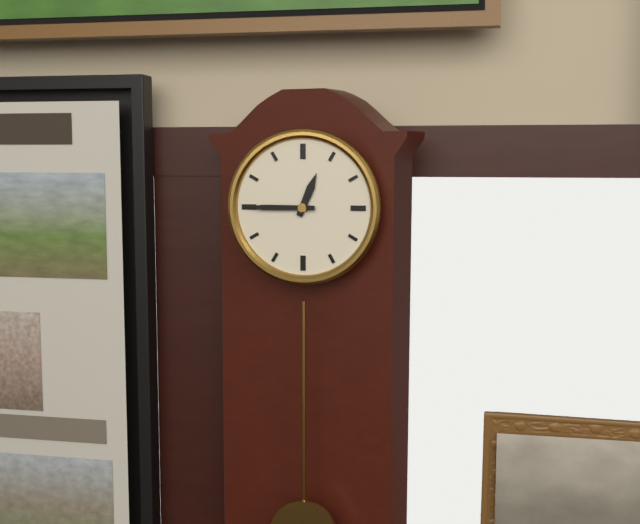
12.45
